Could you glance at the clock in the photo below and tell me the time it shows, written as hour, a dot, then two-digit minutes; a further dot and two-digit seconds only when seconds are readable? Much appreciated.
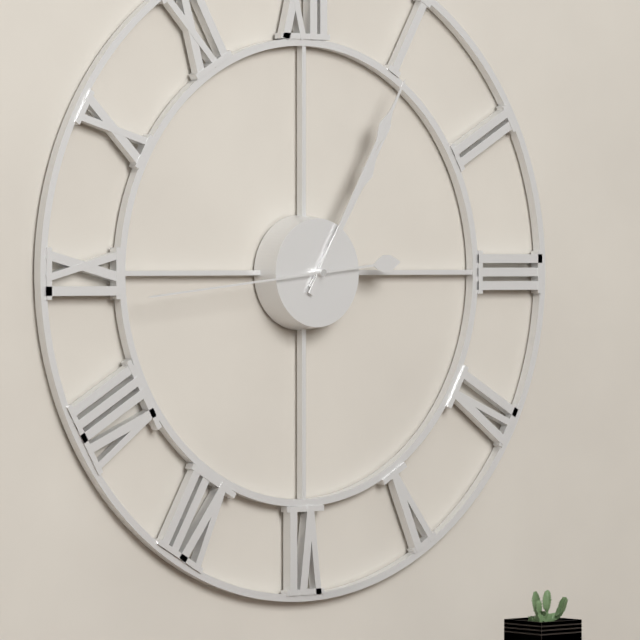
1.05.44
